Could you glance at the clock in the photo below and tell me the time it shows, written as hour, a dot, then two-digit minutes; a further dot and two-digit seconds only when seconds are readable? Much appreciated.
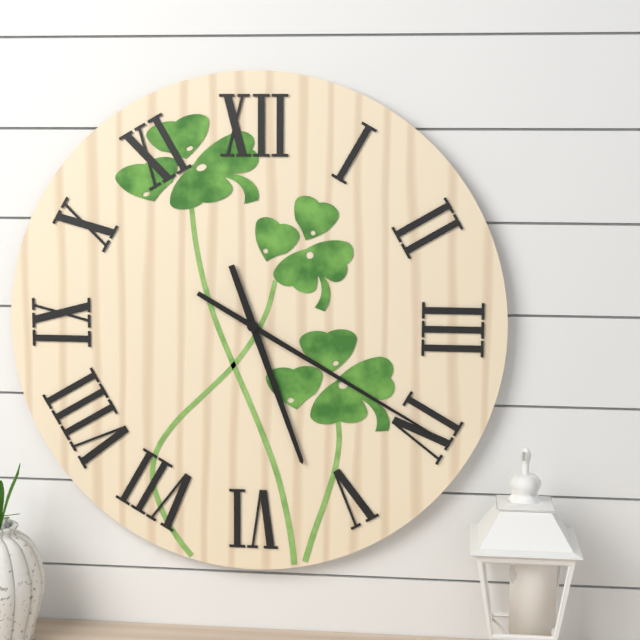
5.20
